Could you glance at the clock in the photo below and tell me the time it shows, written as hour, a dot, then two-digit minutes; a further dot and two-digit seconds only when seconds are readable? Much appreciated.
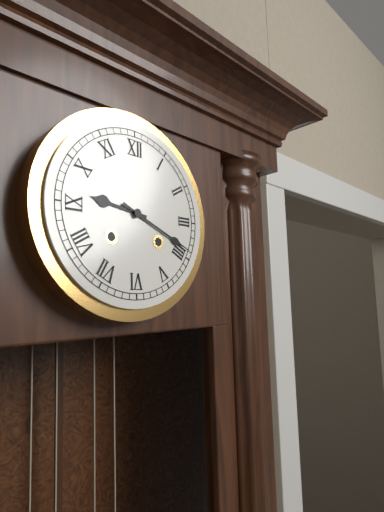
9.19
